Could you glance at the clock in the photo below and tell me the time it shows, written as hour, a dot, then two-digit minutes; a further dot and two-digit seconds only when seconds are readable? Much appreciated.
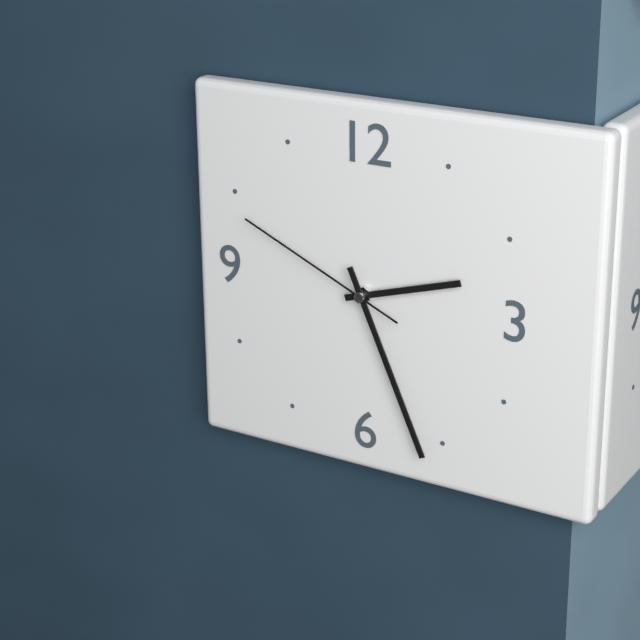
2.26.49
